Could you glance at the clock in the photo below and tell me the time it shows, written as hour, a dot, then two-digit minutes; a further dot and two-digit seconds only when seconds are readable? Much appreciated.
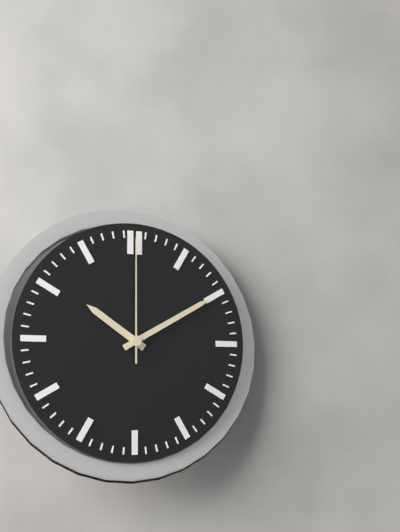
10.10.00
